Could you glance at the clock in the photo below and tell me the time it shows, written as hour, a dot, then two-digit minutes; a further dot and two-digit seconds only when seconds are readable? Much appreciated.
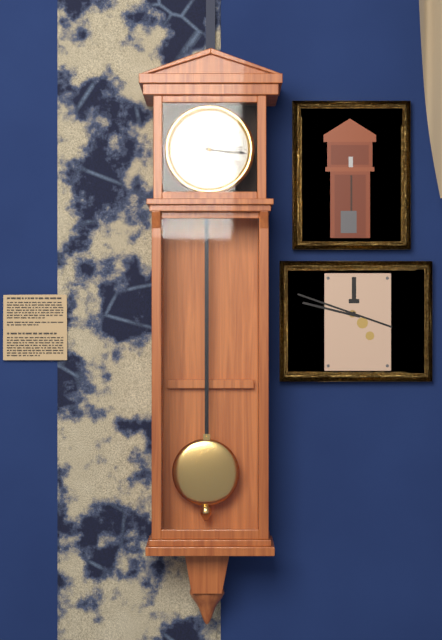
3.16
